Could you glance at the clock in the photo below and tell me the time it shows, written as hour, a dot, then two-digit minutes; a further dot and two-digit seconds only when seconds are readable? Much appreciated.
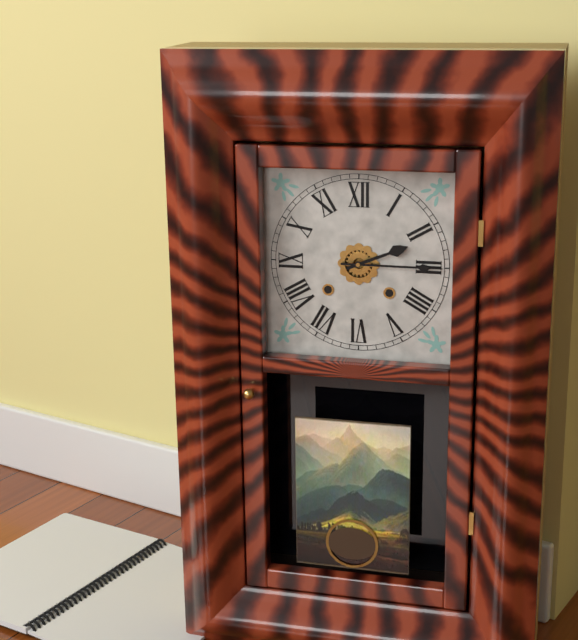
2.15
